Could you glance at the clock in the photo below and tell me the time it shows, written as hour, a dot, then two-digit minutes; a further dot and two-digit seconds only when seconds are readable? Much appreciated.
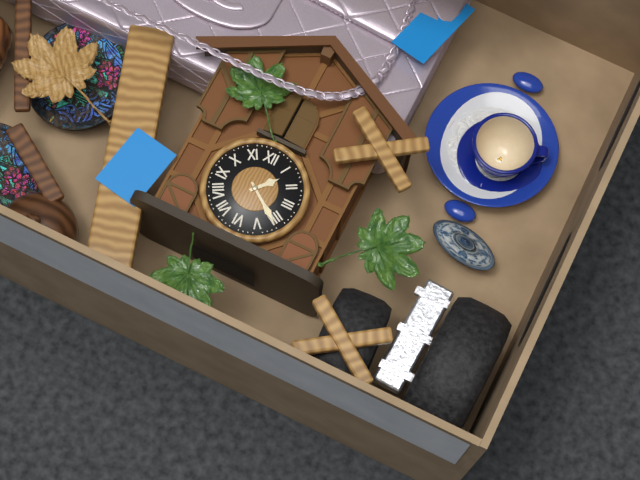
1.21
